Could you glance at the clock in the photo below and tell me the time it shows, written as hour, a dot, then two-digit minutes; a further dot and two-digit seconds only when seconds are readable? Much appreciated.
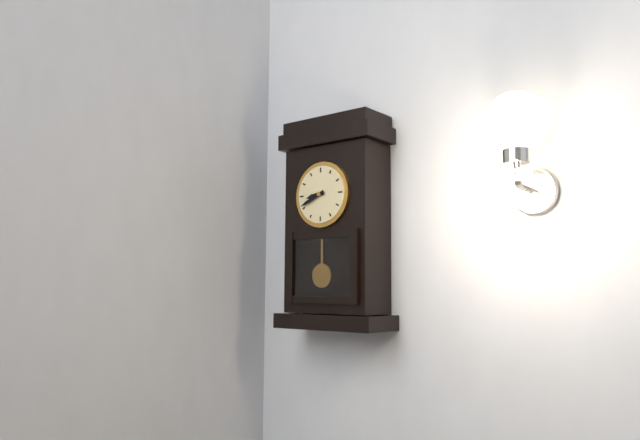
8.41
